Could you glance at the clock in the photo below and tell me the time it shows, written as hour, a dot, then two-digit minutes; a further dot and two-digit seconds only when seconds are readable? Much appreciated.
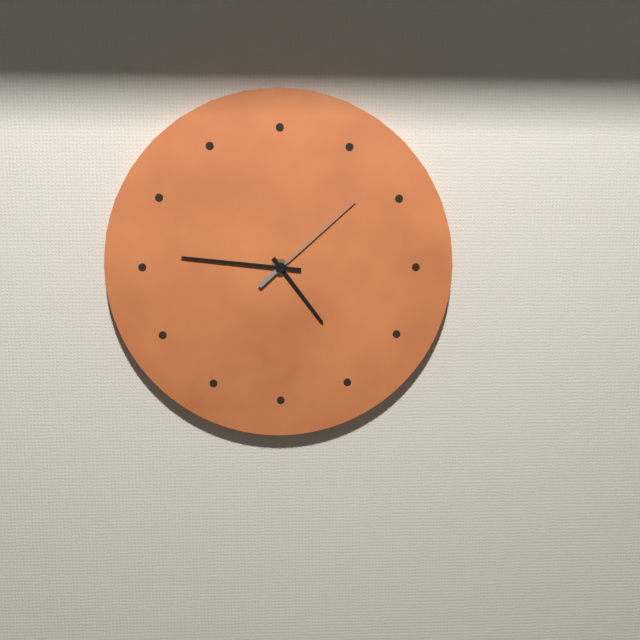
4.46.08
